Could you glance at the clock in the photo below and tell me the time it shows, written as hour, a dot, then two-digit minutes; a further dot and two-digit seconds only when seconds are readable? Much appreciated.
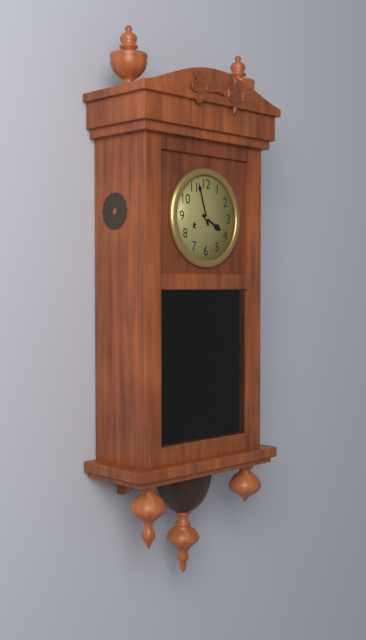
3.57
